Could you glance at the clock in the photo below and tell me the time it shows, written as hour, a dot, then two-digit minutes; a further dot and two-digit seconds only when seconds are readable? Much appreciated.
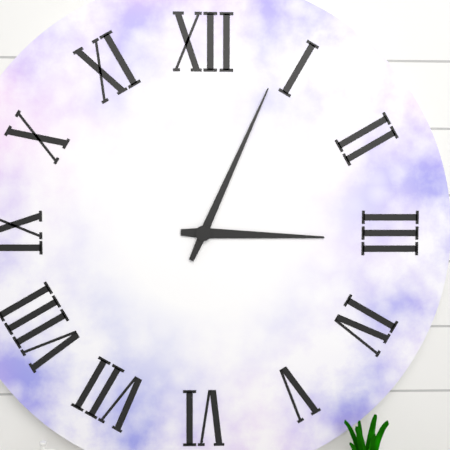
3.04
